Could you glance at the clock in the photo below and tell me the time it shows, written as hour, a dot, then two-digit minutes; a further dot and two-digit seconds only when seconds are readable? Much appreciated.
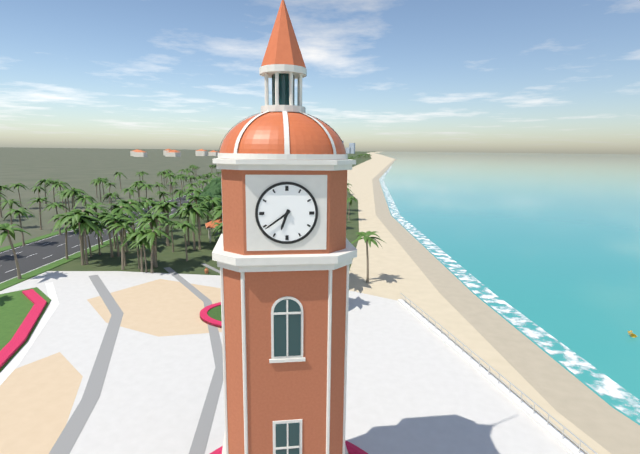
6.39
